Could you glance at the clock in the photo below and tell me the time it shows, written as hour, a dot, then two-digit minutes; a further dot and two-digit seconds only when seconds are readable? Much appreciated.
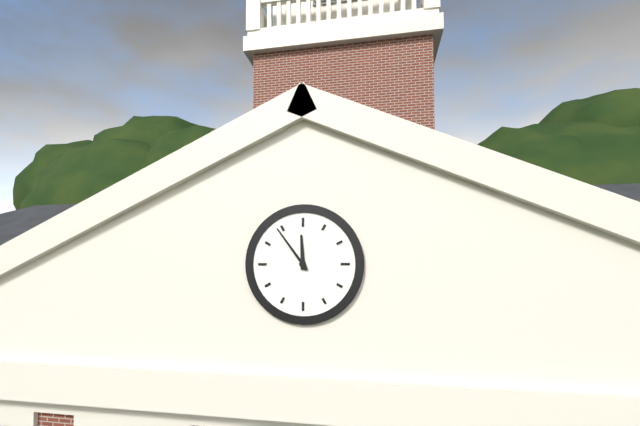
11.54
